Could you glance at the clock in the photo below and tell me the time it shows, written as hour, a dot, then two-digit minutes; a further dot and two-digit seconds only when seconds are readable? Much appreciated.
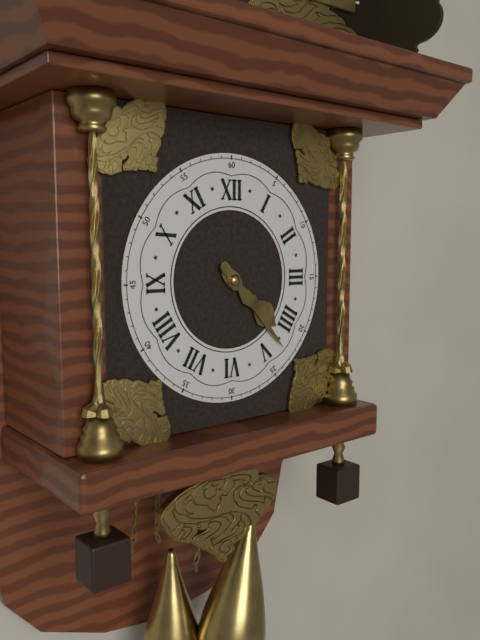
4.23
